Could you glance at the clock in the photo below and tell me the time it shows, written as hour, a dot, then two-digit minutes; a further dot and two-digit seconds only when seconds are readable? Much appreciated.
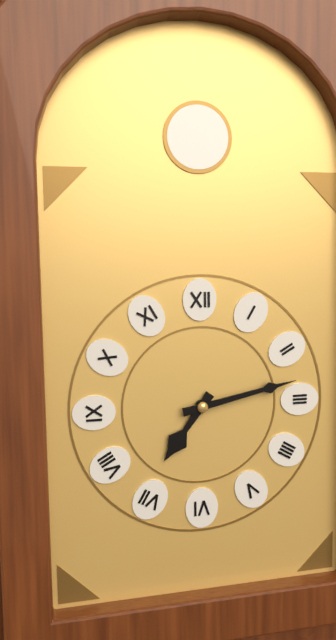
7.13
